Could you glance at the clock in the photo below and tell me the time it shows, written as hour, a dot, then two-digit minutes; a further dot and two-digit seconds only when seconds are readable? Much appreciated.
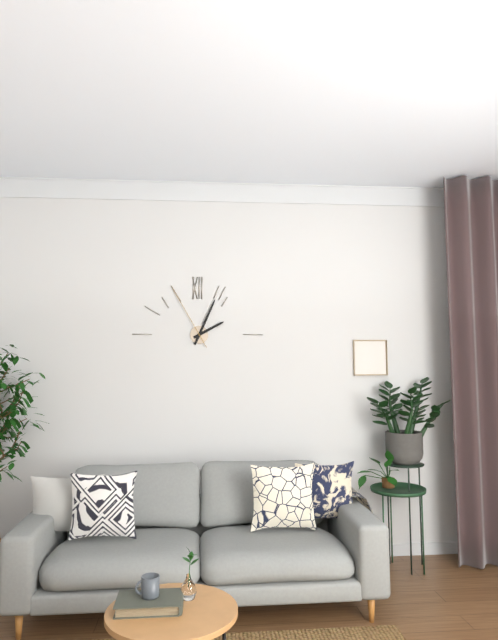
2.04.55
